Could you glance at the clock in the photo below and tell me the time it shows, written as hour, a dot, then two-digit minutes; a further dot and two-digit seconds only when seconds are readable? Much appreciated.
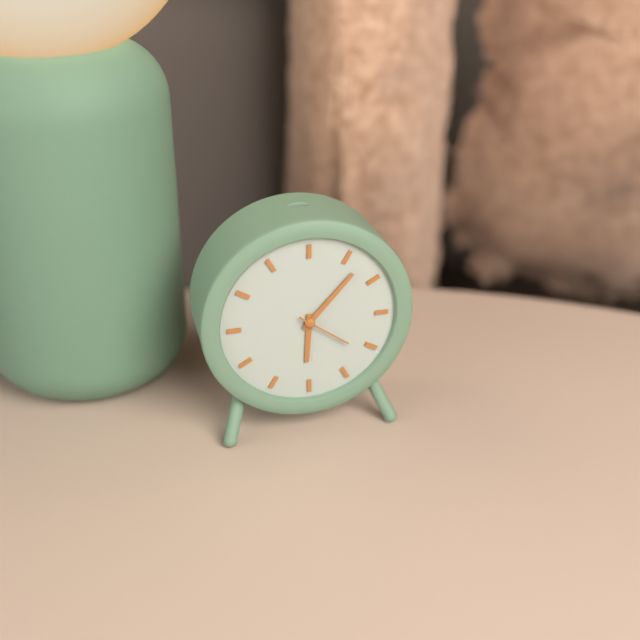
6.07.21
